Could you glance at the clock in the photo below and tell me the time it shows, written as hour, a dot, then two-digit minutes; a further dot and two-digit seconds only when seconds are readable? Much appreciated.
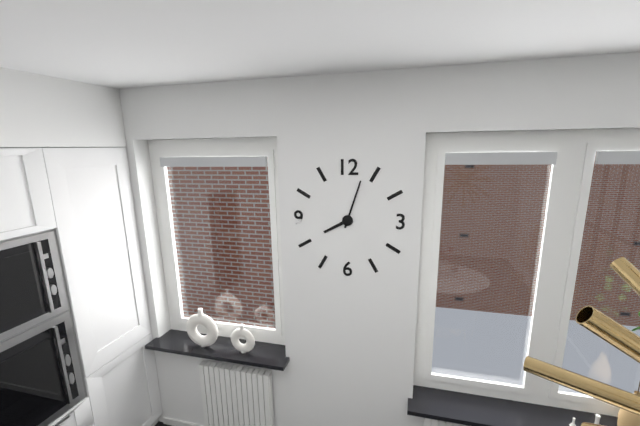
8.03
